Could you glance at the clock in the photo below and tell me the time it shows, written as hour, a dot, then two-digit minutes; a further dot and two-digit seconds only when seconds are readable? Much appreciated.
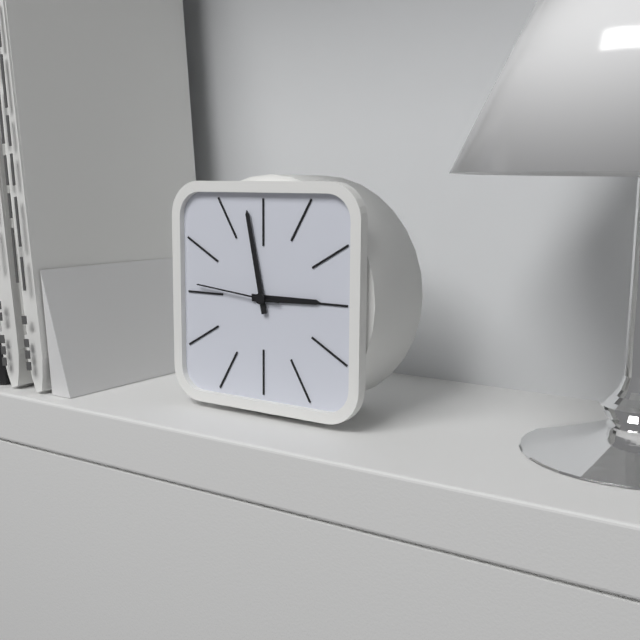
2.58.46
